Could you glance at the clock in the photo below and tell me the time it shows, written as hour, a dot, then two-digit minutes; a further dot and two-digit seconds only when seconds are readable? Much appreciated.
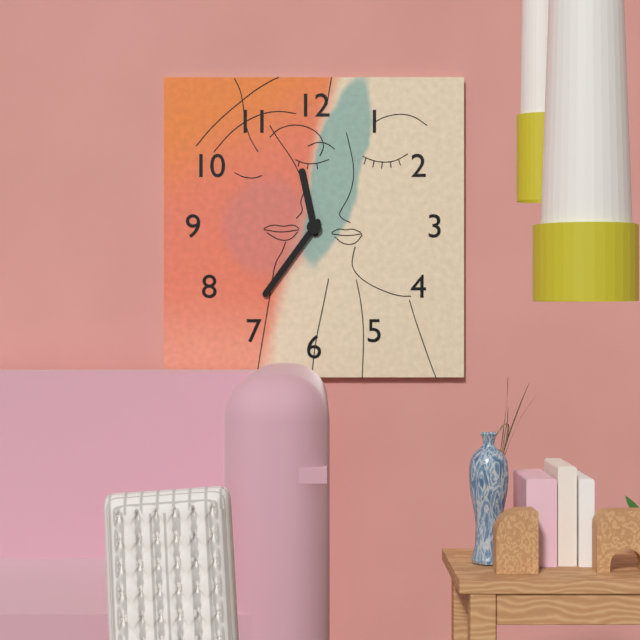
11.36
